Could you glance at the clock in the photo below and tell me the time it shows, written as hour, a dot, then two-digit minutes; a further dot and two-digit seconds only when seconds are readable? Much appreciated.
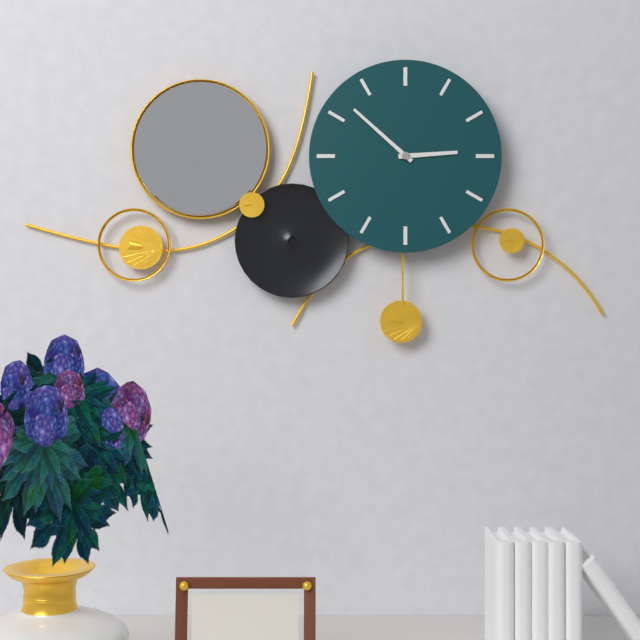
2.52
